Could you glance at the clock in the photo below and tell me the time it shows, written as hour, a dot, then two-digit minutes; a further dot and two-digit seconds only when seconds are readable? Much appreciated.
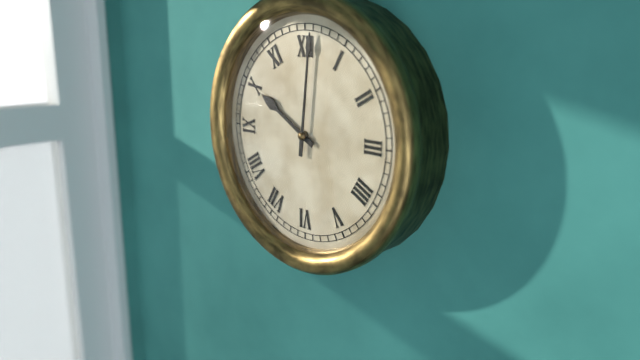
10.01
